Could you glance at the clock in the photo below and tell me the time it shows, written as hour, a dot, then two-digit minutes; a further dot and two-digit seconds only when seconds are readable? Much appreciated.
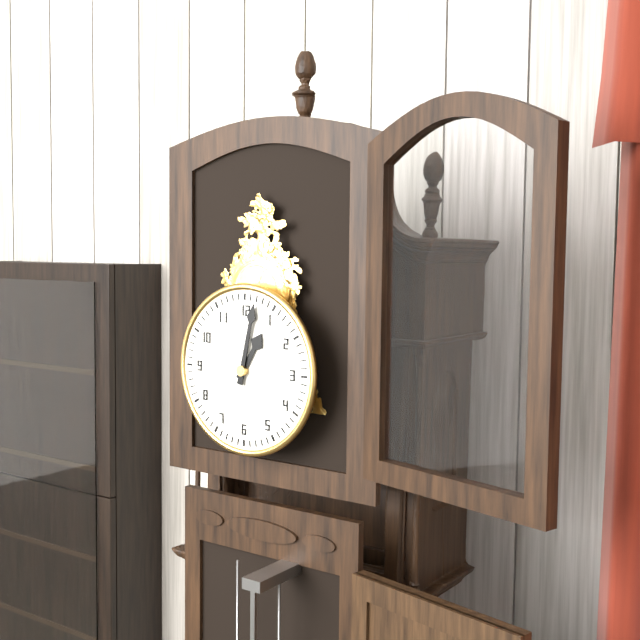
1.02
